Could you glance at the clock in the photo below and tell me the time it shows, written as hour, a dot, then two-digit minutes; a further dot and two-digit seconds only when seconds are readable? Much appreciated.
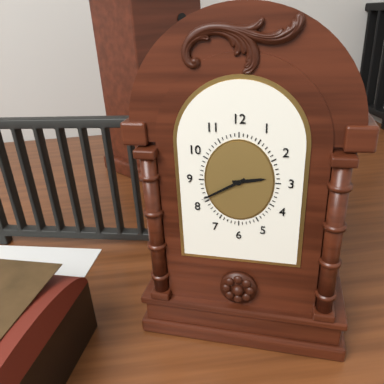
2.40
